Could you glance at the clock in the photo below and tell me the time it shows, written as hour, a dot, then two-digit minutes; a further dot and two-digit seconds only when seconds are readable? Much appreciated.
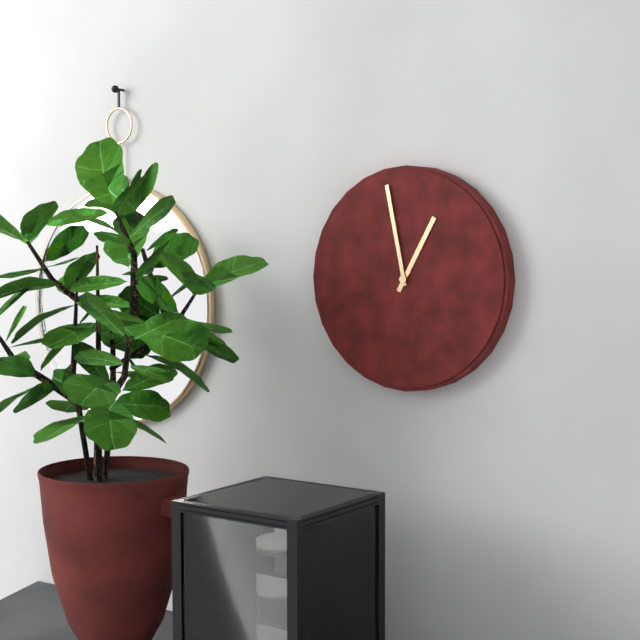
12.58
